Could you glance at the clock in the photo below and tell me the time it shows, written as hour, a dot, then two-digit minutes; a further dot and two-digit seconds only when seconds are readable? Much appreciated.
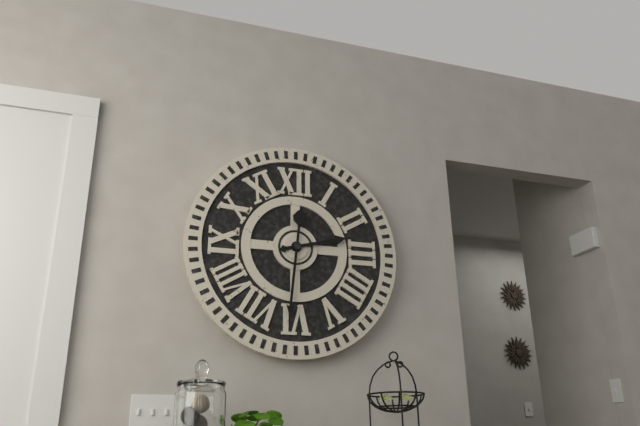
2.31
